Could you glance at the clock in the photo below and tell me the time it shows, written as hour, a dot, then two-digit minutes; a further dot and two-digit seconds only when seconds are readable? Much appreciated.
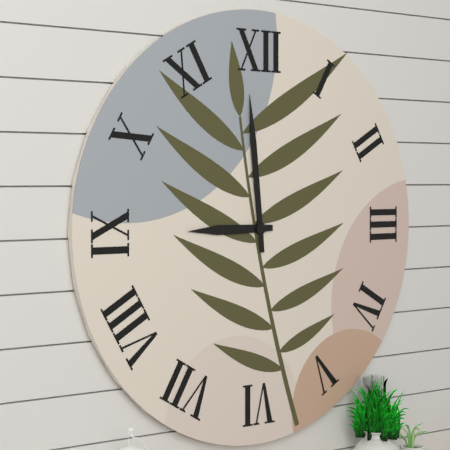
8.59
